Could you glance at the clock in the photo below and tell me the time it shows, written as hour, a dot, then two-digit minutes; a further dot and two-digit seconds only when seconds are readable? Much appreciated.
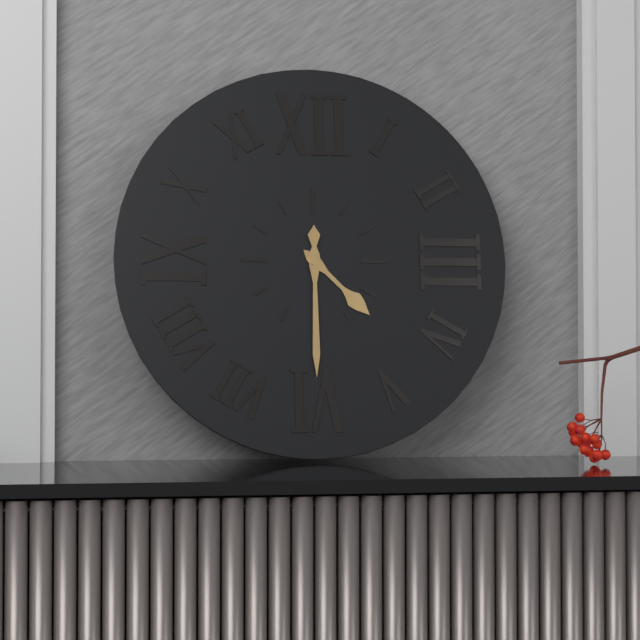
4.30
